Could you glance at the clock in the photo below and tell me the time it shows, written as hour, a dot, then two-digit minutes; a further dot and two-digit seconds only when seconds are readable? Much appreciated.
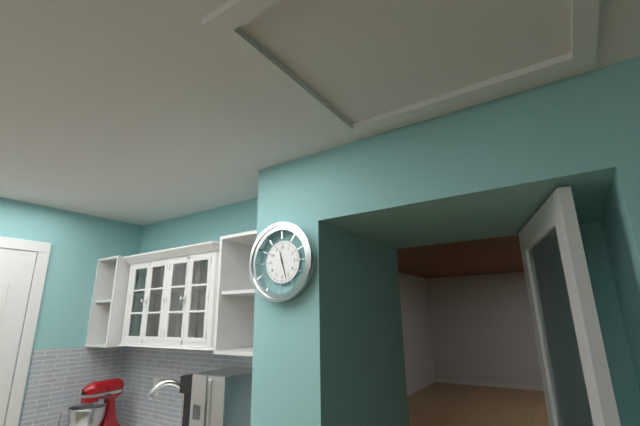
11.27
